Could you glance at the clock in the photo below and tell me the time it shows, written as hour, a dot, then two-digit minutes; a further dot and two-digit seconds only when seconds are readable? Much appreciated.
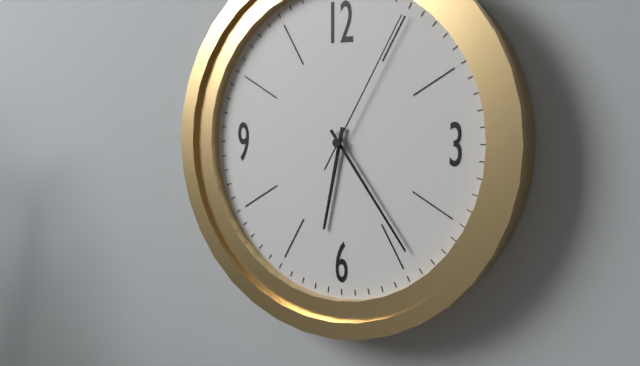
6.24.05
